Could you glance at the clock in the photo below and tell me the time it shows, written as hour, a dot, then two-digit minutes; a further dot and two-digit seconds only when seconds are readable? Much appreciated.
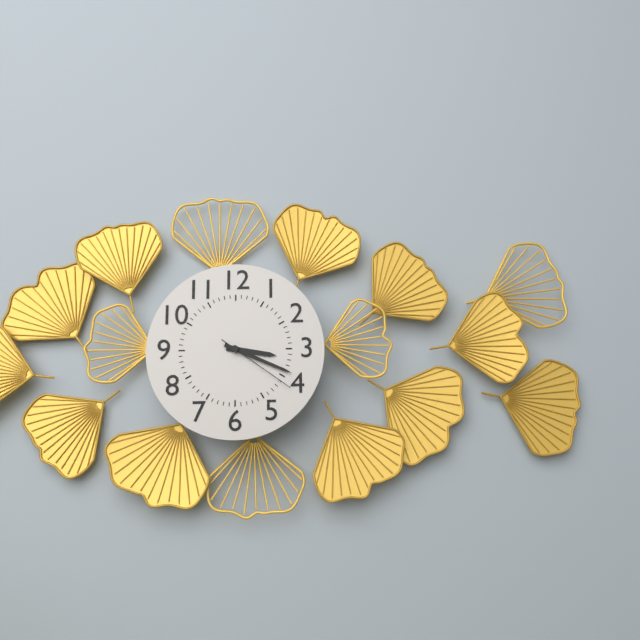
3.19.21
